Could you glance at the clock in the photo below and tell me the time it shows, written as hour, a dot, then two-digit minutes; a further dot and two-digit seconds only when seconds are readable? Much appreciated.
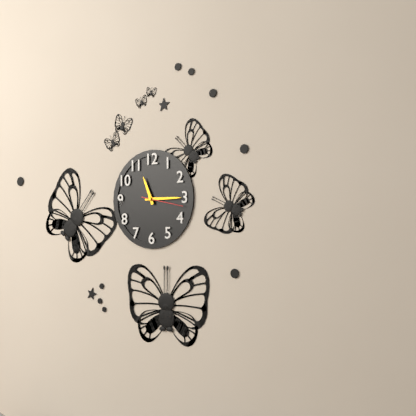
11.15
